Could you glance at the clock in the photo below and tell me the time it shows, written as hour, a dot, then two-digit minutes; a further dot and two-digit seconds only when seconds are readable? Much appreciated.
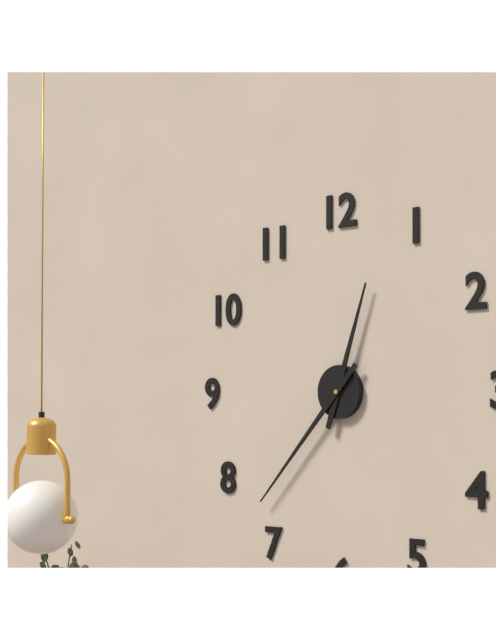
12.37
